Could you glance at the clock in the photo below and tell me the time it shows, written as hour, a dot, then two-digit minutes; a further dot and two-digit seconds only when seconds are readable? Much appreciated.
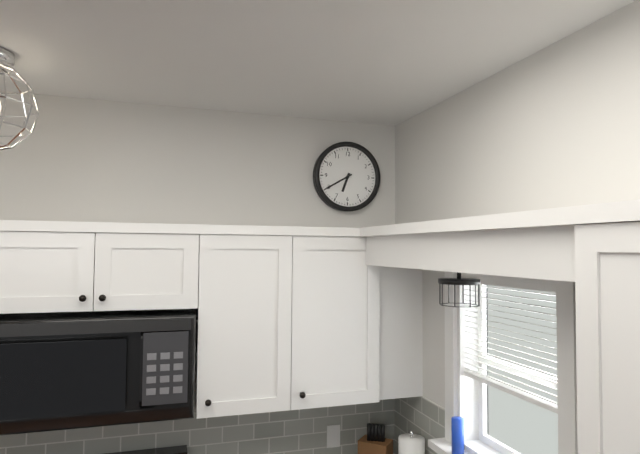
6.40
